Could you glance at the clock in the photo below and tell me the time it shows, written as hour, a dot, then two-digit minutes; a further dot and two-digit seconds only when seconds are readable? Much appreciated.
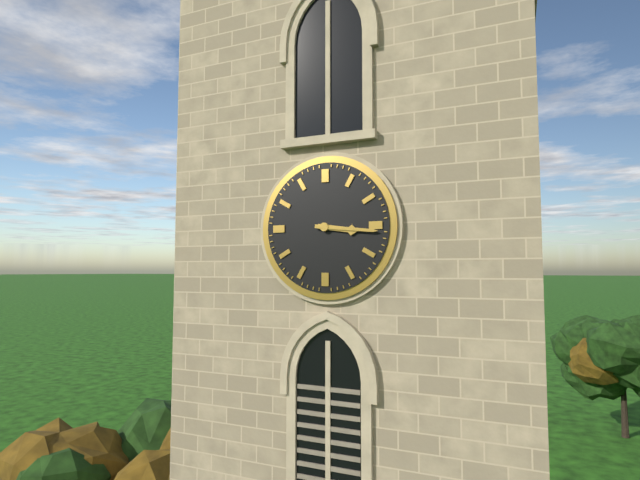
3.16
